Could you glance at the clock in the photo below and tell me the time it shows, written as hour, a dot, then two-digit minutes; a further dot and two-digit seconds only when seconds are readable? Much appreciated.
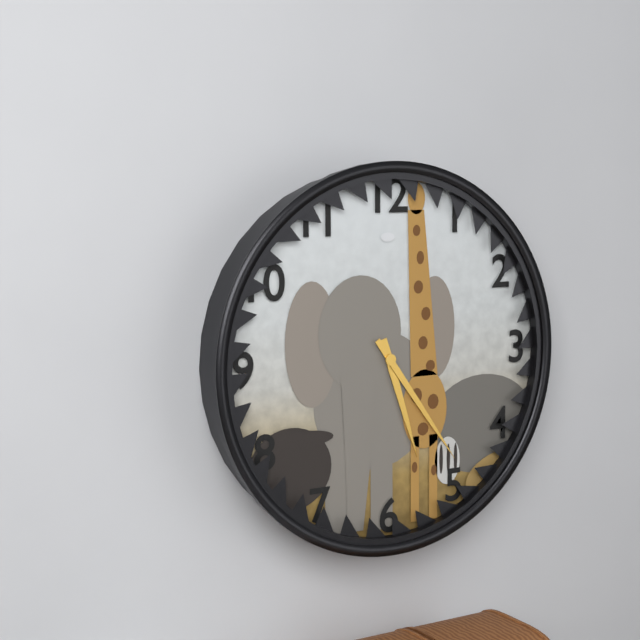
5.24
